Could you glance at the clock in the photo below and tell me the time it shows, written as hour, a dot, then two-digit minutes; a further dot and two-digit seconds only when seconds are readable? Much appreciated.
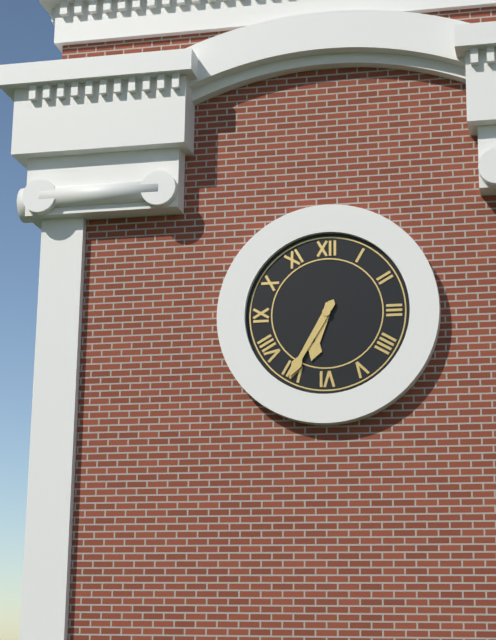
6.35
